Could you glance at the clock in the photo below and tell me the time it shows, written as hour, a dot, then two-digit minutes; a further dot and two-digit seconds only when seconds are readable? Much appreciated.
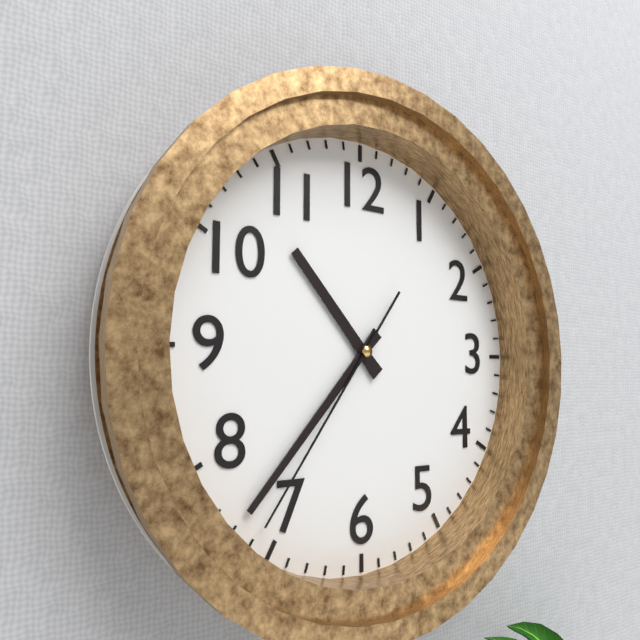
10.37.36
